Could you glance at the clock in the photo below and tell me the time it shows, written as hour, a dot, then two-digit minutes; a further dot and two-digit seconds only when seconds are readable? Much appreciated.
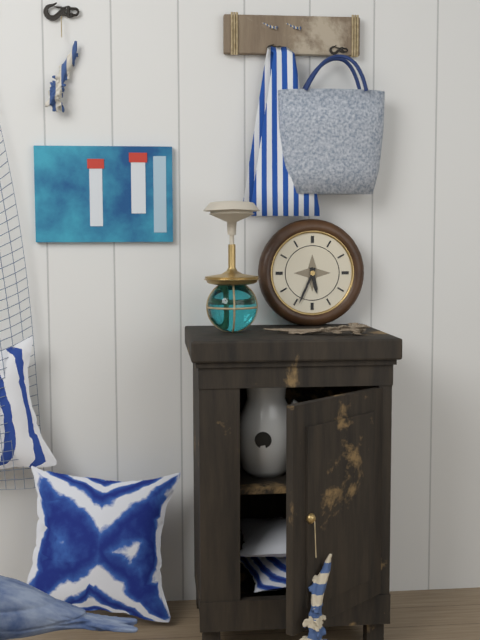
5.34
